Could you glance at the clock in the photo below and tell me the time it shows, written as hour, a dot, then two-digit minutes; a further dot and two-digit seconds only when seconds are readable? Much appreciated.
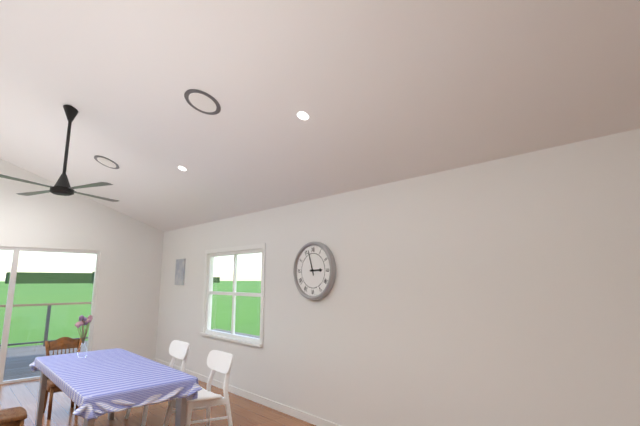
2.57
